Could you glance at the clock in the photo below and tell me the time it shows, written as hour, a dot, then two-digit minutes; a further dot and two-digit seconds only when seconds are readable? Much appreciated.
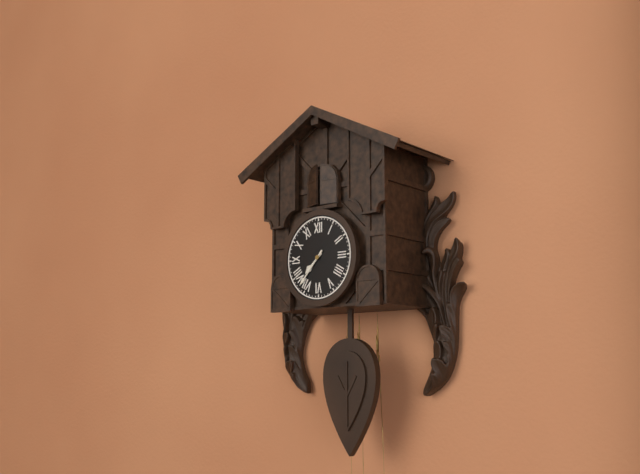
7.37
